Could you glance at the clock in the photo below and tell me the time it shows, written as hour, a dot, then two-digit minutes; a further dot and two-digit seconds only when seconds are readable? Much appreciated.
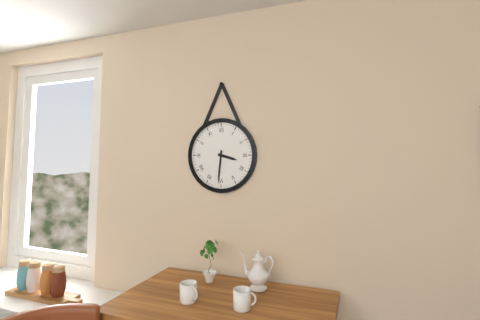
3.31
